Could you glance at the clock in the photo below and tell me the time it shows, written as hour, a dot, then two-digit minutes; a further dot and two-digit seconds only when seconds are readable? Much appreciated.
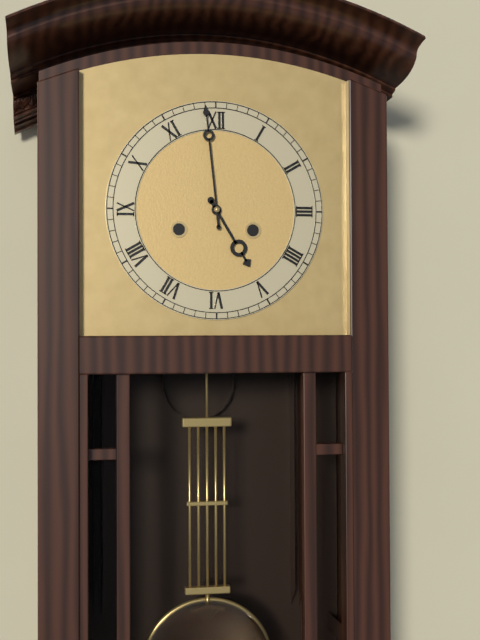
4.59
